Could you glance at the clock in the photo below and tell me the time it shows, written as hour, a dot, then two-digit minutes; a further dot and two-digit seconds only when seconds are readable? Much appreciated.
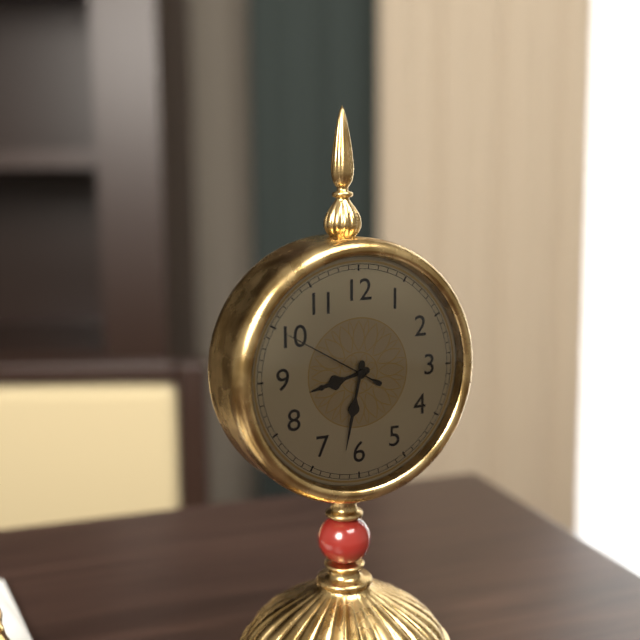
8.32.50
